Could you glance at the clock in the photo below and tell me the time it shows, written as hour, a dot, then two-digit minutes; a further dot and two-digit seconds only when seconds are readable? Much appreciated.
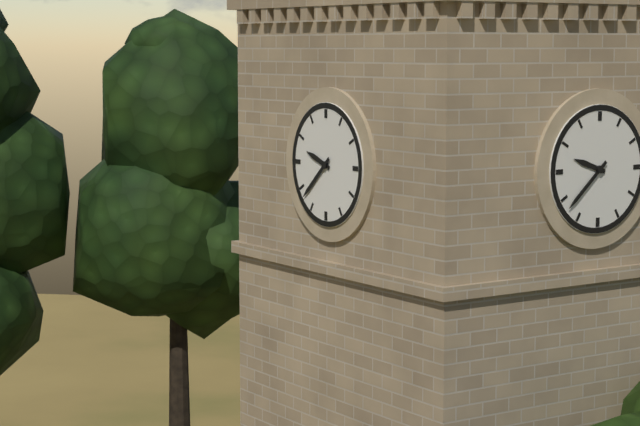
9.38
